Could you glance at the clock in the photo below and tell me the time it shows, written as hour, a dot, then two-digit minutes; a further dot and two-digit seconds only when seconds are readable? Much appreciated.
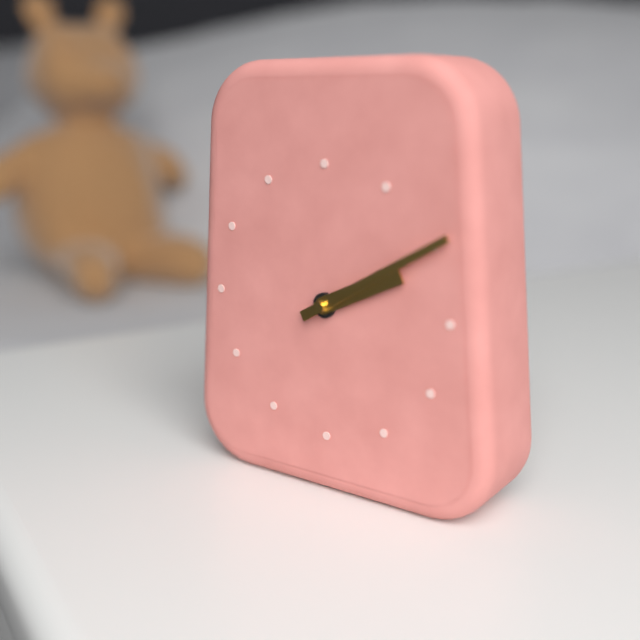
2.10
